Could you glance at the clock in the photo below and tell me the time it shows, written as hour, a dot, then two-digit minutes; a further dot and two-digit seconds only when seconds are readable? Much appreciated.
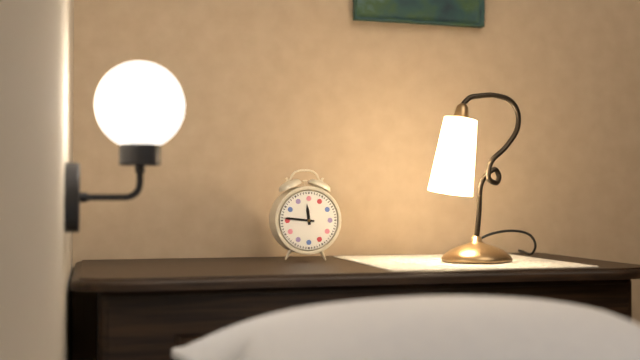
11.46
